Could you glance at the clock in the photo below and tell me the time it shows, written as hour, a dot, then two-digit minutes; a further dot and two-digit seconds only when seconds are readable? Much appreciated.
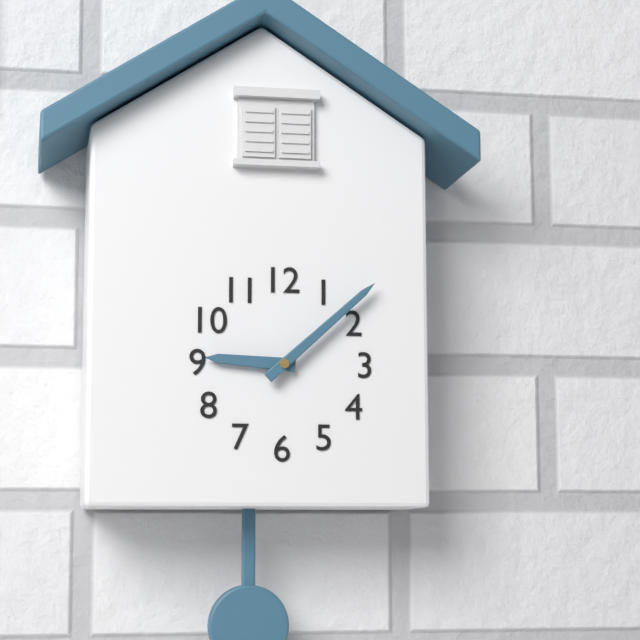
9.08
